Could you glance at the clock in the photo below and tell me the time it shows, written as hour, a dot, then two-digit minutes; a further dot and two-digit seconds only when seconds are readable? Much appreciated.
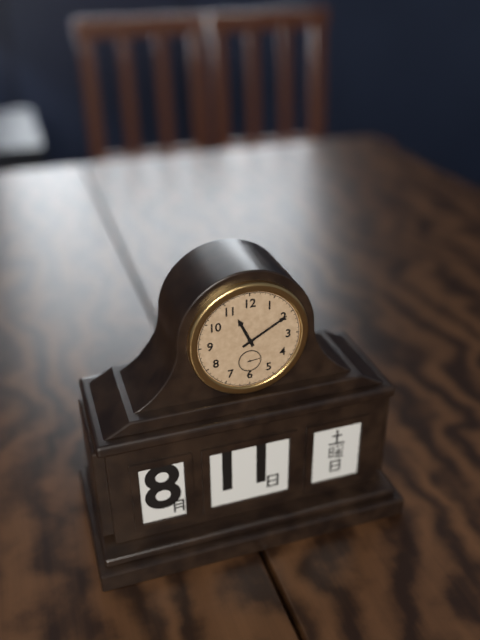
11.10
